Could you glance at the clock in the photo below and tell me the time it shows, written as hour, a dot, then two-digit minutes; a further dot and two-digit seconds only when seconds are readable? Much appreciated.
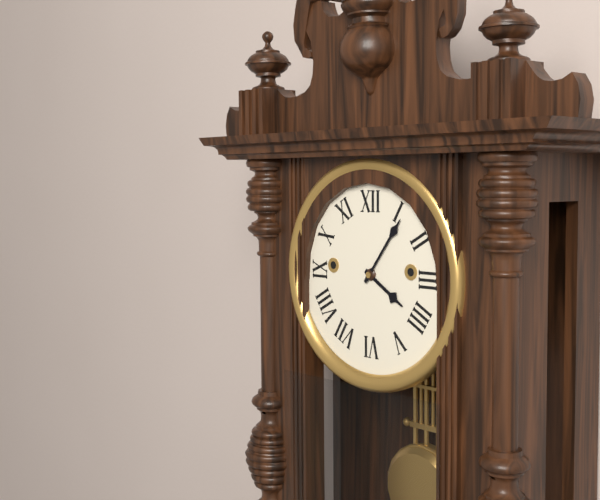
4.06
